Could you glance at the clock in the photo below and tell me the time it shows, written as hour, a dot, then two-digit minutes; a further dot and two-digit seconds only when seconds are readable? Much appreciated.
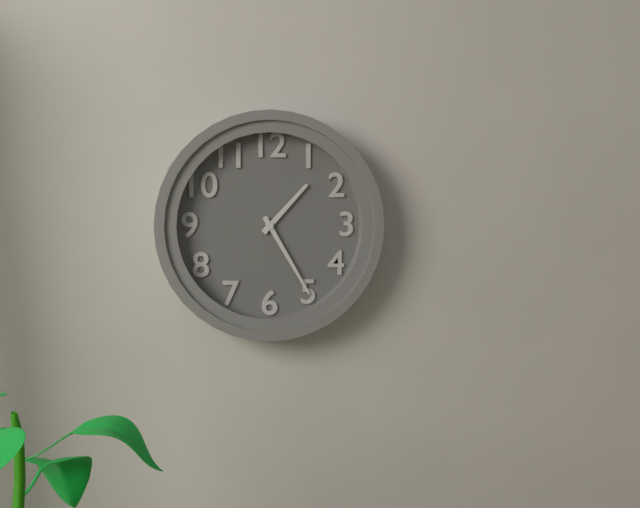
1.25
